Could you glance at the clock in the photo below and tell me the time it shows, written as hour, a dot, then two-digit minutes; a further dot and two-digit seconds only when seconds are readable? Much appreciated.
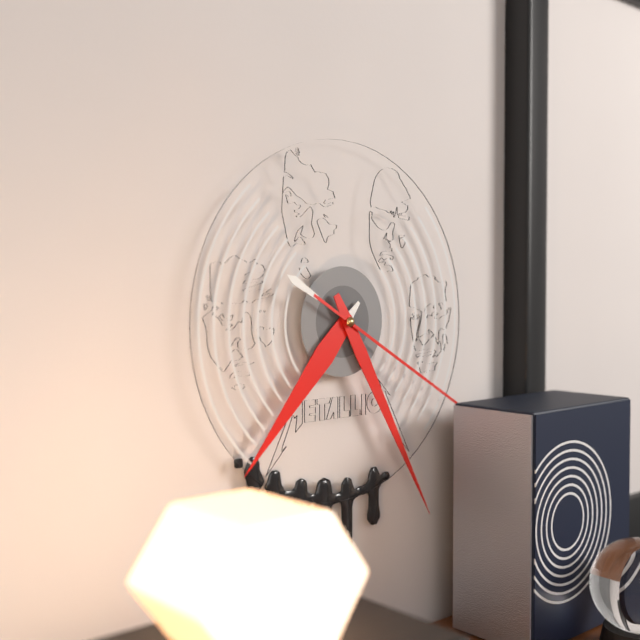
7.25
